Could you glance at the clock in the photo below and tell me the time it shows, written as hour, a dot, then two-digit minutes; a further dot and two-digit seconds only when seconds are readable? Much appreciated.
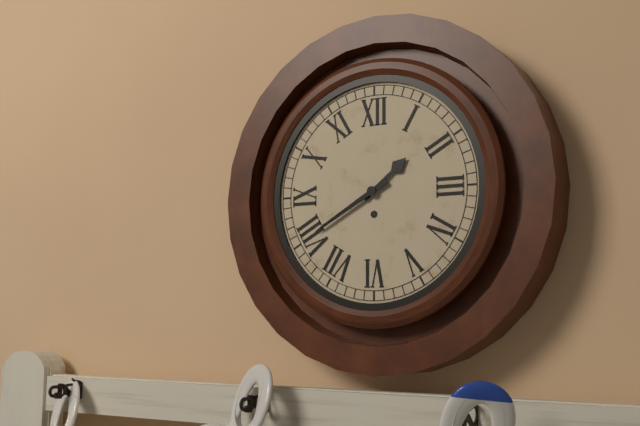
1.40
